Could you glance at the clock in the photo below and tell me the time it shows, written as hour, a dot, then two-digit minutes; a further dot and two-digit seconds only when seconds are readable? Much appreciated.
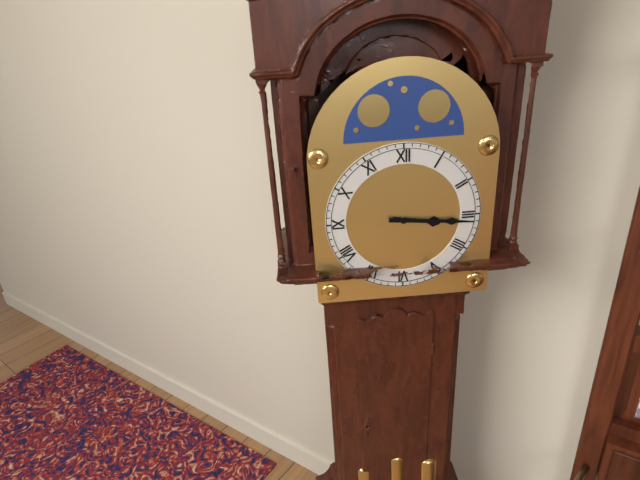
3.16
